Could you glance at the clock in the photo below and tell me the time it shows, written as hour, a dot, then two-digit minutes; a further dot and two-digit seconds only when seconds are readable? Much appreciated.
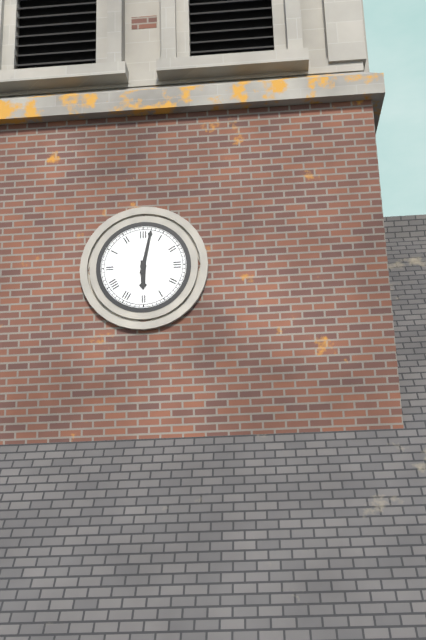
6.02
